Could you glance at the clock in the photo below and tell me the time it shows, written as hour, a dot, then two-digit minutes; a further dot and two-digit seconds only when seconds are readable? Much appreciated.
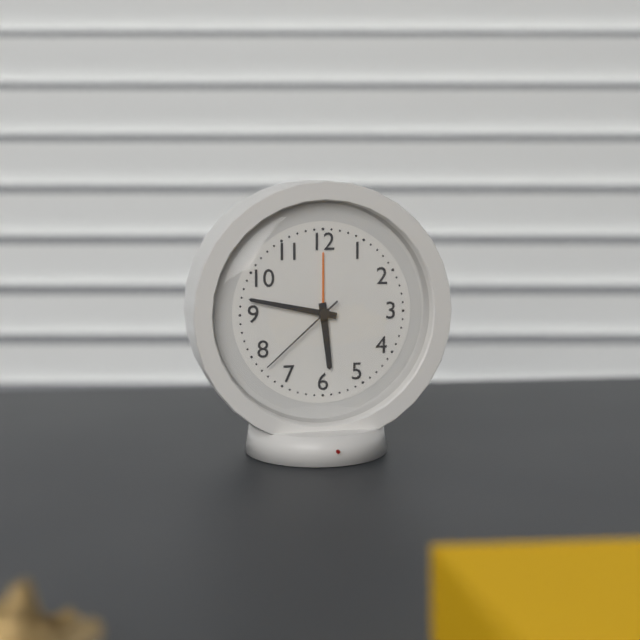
5.47.38
